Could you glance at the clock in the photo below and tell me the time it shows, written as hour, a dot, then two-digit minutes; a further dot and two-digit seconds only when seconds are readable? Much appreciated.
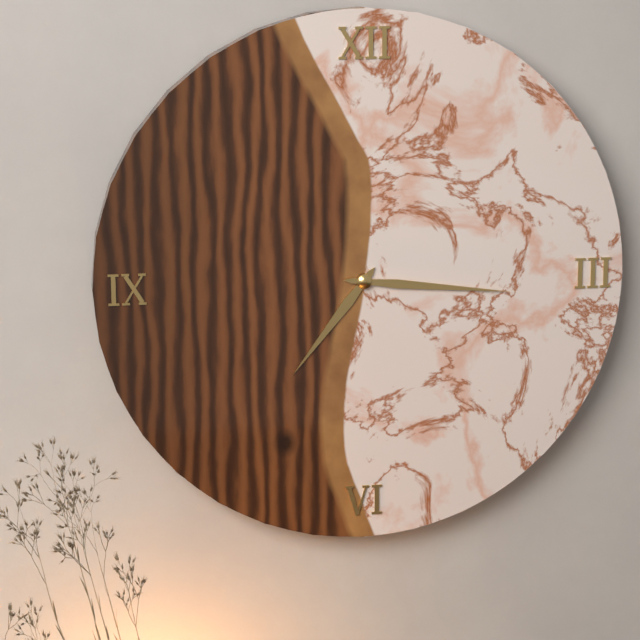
7.16
